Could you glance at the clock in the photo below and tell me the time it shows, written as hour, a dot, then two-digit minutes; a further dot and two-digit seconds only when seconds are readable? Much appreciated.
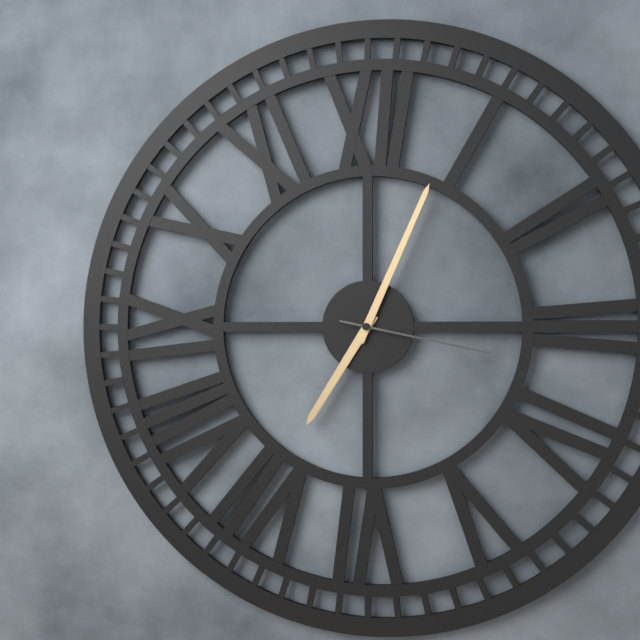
7.04.17
